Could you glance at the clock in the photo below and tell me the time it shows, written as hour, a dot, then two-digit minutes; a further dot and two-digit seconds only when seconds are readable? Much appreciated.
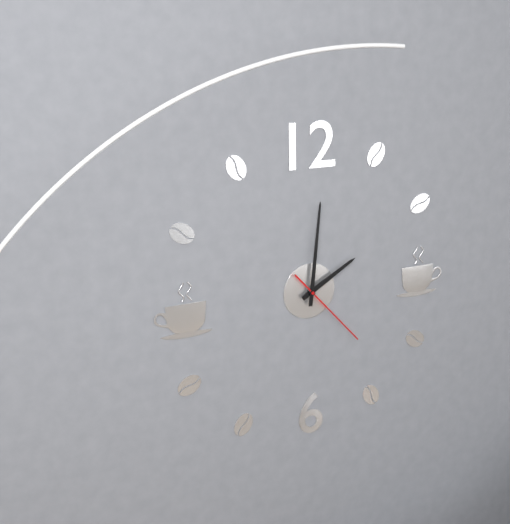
2.01.23
